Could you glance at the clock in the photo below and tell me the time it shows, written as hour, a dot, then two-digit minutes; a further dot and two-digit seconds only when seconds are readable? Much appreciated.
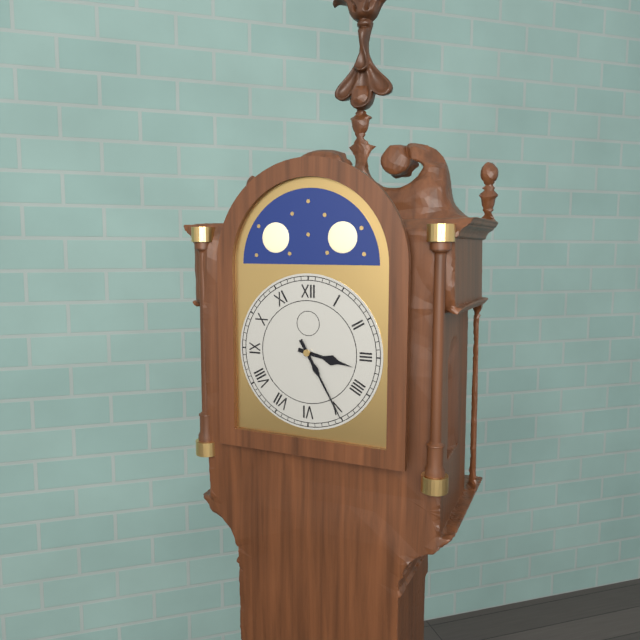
3.25
